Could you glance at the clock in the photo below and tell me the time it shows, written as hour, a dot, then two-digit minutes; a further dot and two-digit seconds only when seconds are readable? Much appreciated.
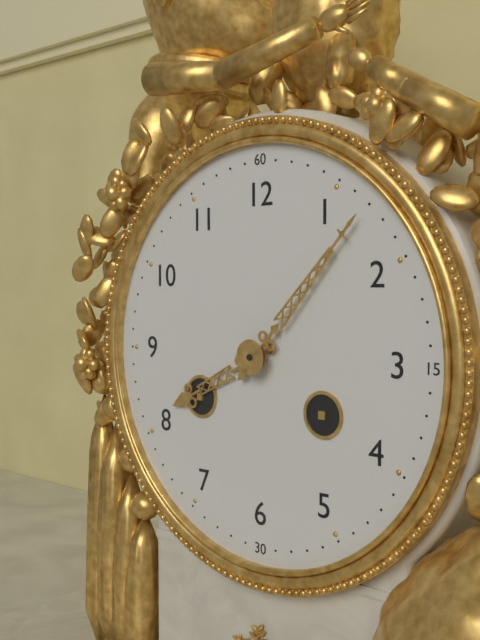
8.07
